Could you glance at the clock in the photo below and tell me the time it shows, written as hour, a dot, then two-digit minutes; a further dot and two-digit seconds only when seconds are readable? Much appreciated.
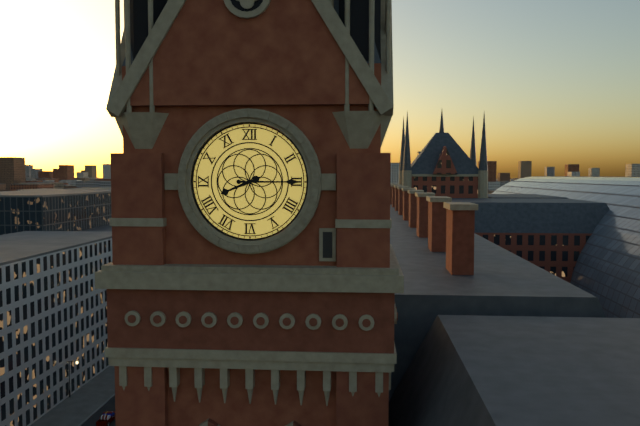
8.15
